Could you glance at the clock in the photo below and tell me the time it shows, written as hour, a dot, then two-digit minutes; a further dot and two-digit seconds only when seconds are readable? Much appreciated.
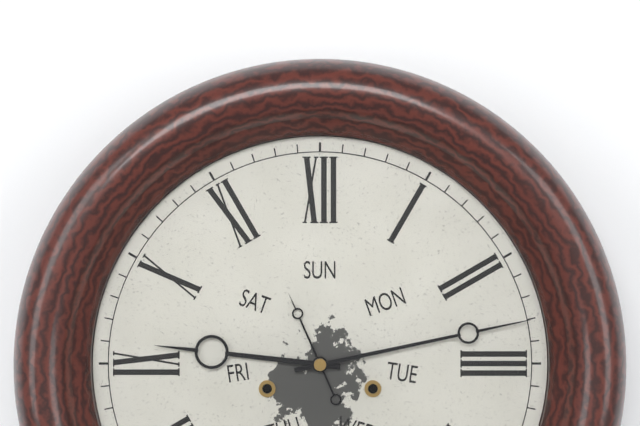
9.13
